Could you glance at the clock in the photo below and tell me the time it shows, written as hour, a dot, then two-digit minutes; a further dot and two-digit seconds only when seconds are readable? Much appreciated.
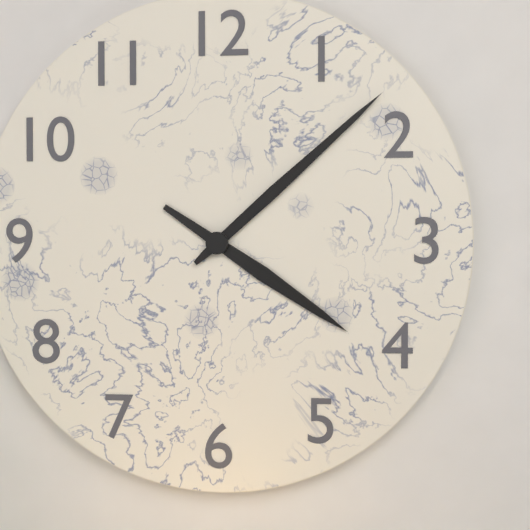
4.08
